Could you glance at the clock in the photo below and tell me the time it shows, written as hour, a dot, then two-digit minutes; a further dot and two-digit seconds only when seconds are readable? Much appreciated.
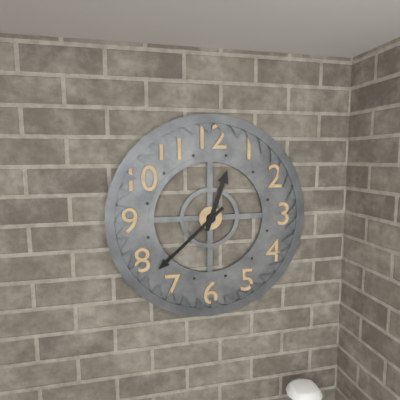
12.38
